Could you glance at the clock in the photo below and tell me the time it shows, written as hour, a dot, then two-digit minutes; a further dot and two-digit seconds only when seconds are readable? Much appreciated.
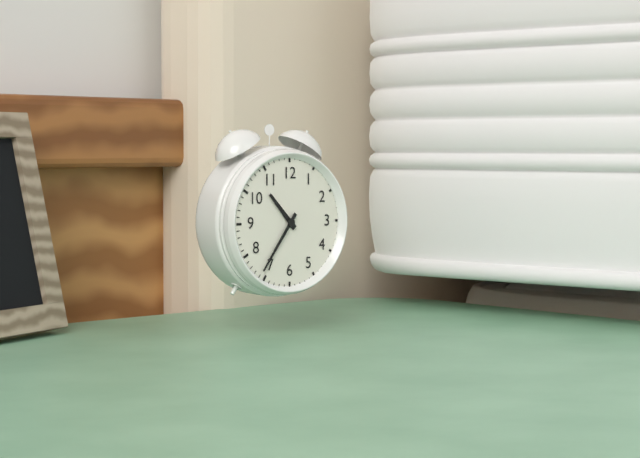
10.36
